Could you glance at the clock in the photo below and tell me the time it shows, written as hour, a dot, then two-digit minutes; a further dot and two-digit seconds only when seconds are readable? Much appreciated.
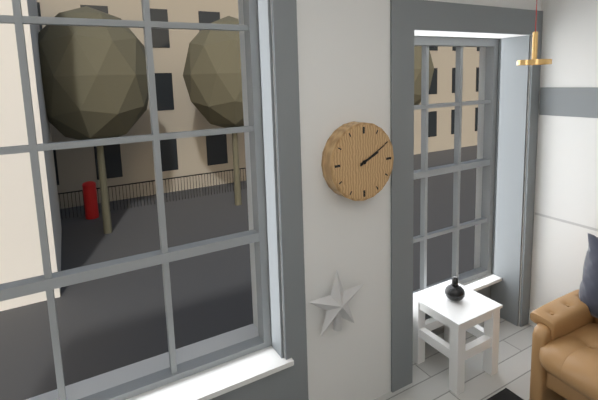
2.10
